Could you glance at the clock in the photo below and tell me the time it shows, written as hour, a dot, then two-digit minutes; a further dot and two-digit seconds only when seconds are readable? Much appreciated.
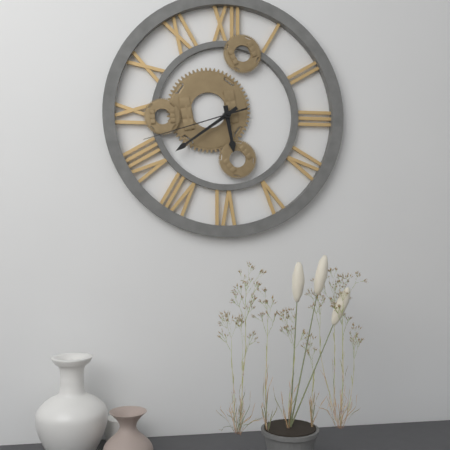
5.39.42
